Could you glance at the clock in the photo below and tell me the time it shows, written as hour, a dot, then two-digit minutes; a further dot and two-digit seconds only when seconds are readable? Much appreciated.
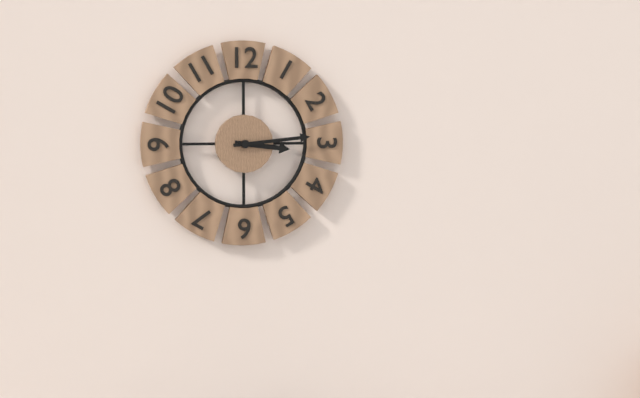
3.14
